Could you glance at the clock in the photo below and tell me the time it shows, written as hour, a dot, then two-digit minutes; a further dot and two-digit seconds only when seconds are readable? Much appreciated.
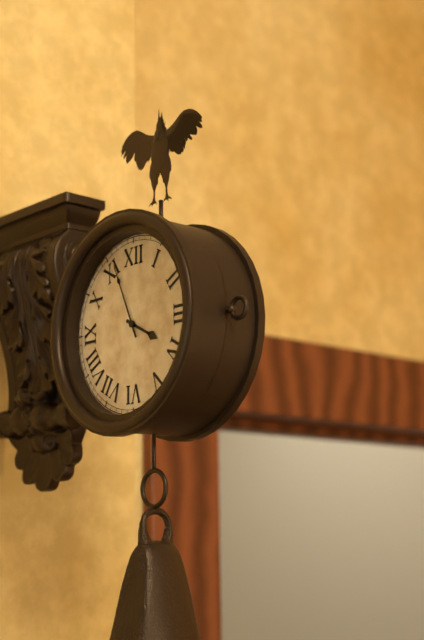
3.56
